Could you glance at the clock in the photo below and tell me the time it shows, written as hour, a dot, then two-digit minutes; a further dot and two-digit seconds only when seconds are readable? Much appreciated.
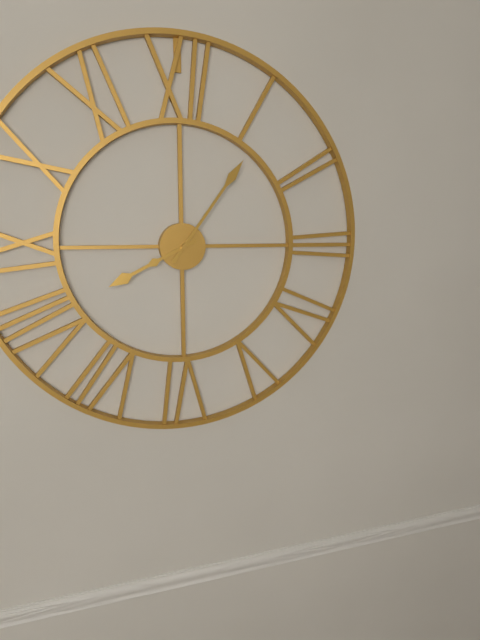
8.06
